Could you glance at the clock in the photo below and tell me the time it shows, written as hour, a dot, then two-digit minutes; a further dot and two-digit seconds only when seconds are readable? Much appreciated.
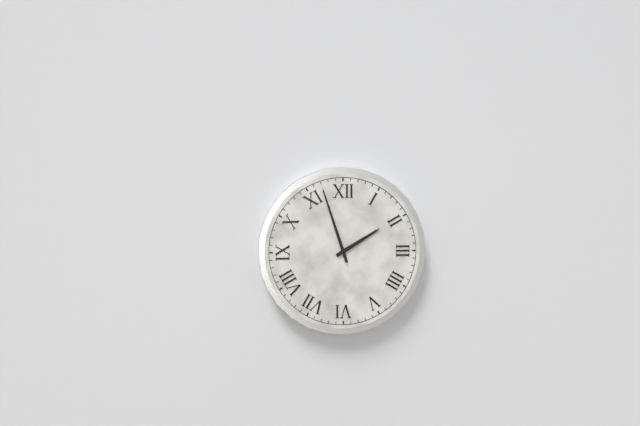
1.57
